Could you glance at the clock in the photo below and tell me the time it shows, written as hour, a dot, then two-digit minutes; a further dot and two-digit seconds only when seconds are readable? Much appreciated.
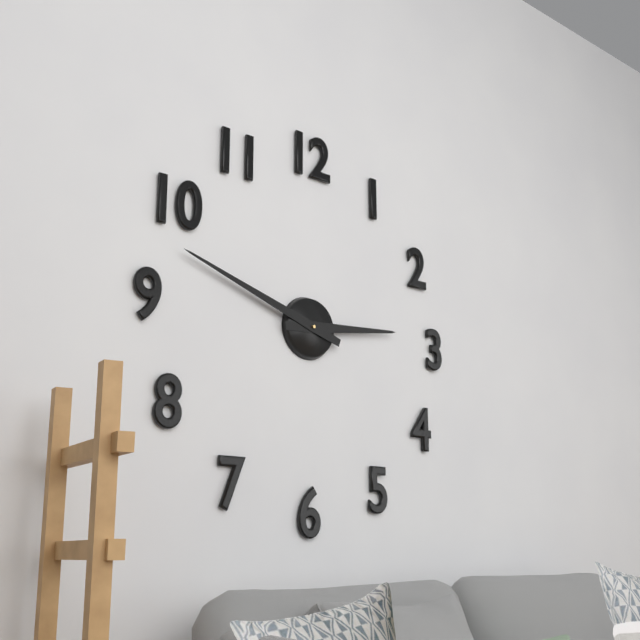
2.48
